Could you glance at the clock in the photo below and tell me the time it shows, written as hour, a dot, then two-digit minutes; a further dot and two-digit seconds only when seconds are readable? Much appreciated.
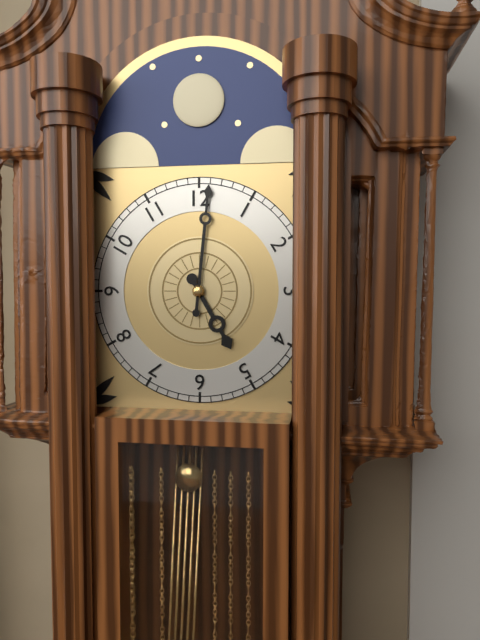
5.01
